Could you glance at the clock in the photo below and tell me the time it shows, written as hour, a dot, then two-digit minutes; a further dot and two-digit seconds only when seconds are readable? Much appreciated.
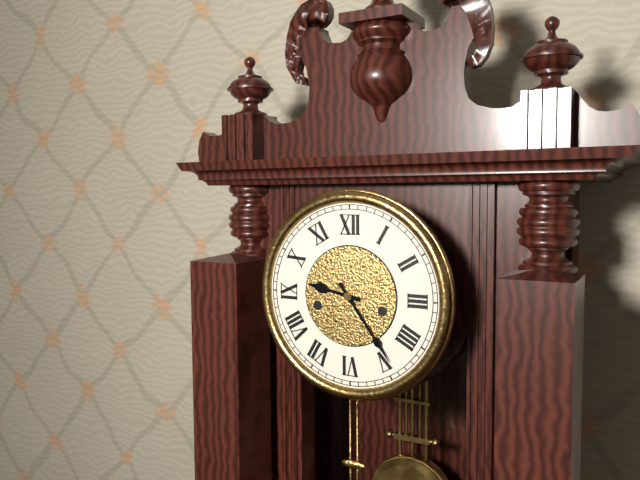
9.24
